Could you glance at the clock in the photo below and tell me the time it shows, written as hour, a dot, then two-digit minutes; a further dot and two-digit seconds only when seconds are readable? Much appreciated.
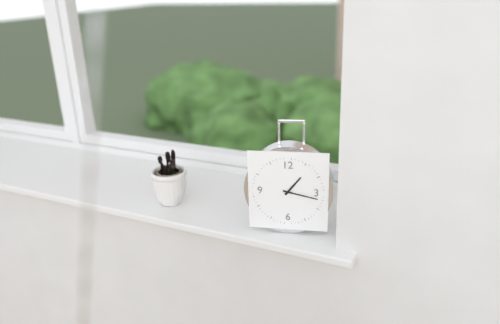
1.17
